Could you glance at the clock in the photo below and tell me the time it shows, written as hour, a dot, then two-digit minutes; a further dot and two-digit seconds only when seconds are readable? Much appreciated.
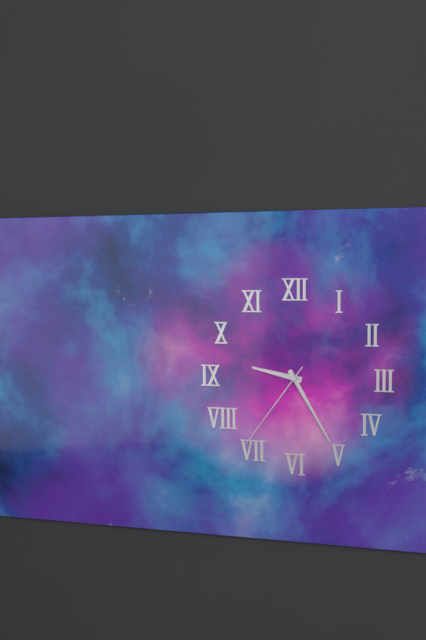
9.25.36
